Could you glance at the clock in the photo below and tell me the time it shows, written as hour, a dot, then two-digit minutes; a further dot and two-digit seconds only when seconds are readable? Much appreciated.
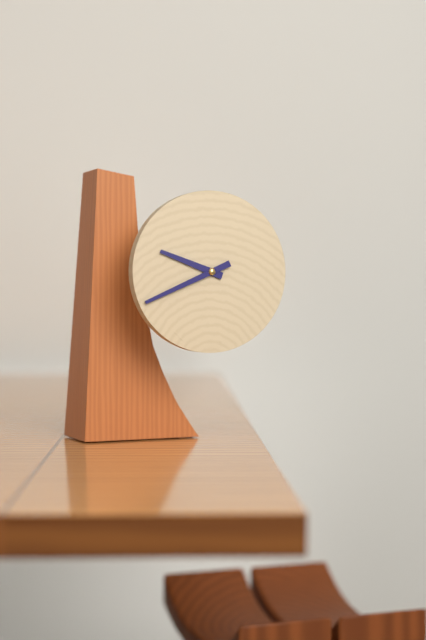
9.41
